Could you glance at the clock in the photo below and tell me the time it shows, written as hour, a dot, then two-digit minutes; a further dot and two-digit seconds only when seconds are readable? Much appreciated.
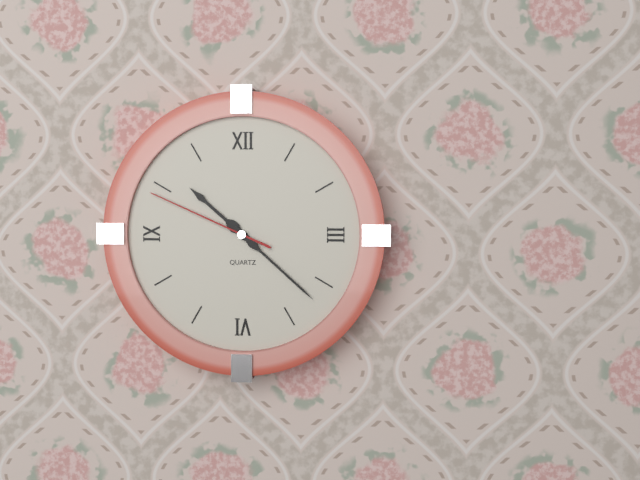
10.22.49
